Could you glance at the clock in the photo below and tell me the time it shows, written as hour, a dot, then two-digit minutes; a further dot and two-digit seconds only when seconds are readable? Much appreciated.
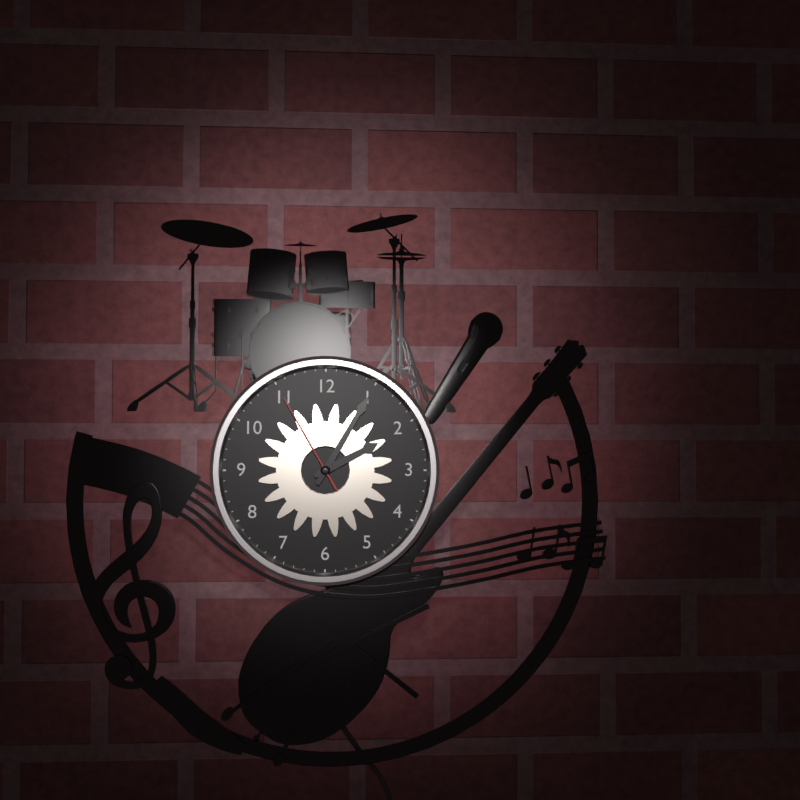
2.05.55
